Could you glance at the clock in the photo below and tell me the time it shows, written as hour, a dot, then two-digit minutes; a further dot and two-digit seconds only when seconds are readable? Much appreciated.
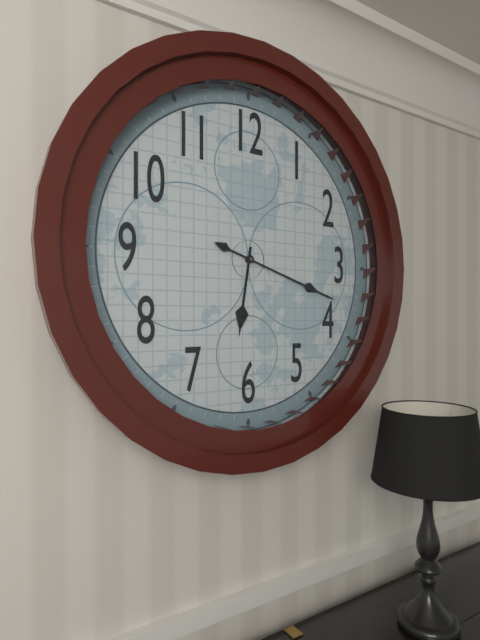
6.18
